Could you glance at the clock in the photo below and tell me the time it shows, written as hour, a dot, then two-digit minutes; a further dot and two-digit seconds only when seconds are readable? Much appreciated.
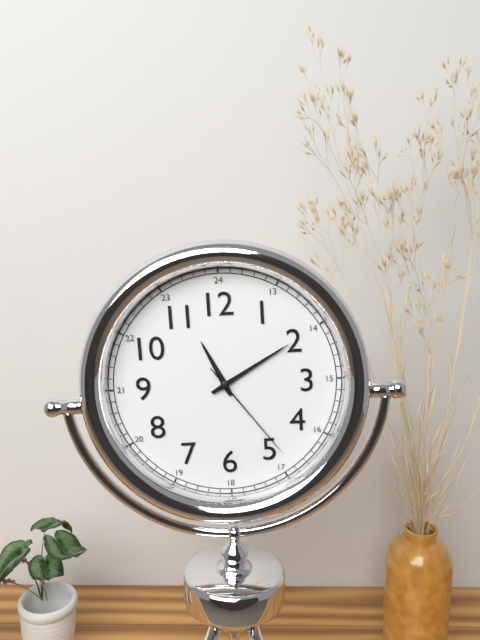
11.10.24
